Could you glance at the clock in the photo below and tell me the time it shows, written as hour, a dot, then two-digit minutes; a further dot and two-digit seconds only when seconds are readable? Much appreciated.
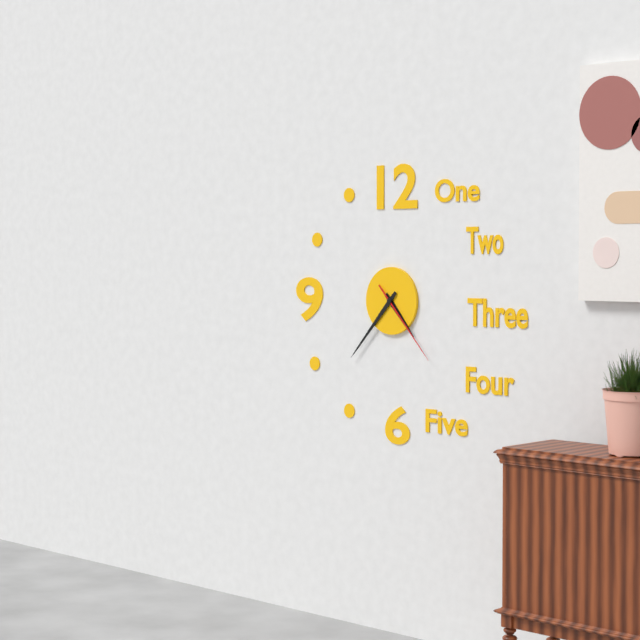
4.37.23
